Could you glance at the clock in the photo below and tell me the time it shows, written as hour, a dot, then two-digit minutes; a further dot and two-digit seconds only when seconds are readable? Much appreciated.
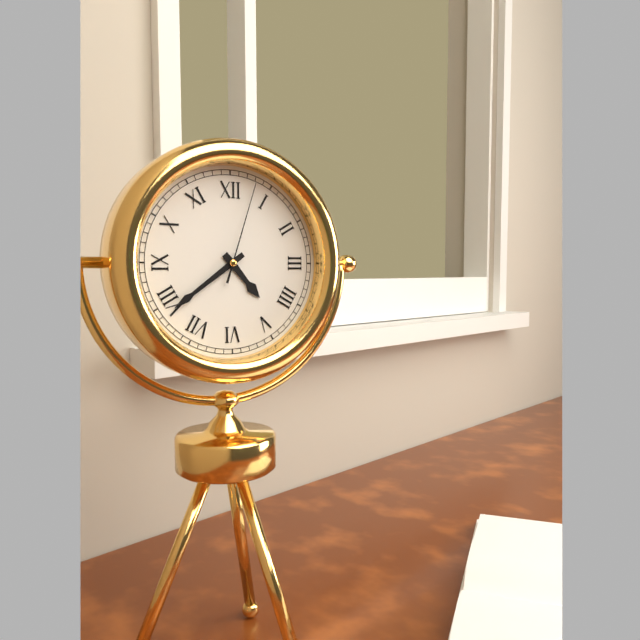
4.39.03
